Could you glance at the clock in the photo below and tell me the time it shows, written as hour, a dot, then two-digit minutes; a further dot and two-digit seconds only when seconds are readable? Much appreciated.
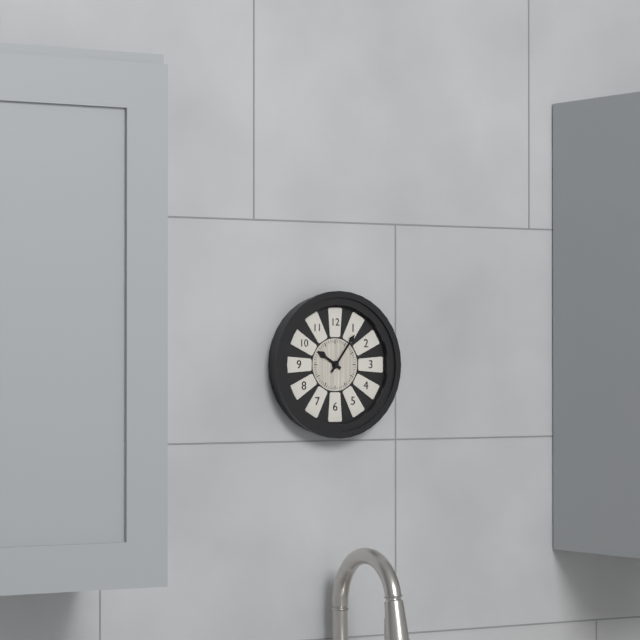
10.06
